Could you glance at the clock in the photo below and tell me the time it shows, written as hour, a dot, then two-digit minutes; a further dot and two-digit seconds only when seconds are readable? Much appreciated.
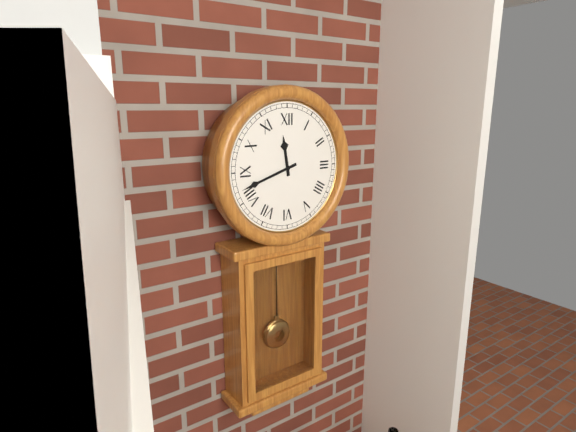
11.42
